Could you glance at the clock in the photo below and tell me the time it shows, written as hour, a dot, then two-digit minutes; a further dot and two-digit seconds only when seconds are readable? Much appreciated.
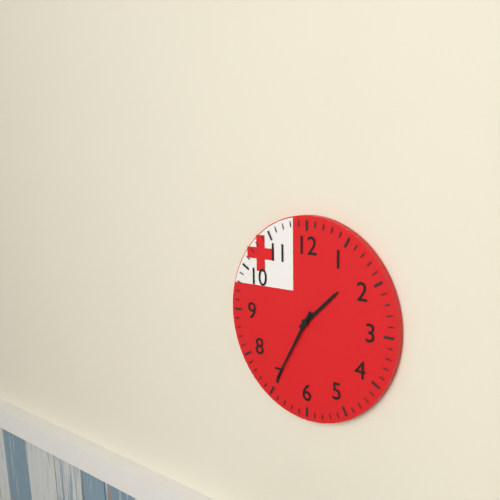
1.35
